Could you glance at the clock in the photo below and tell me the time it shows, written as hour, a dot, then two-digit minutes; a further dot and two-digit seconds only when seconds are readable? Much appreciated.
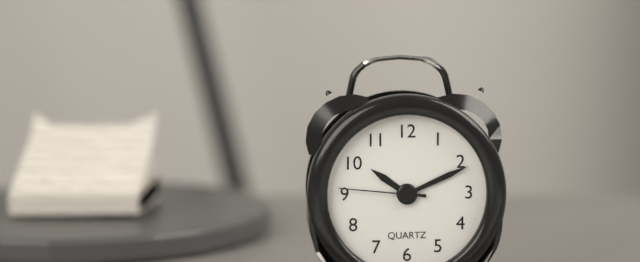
10.11.46
